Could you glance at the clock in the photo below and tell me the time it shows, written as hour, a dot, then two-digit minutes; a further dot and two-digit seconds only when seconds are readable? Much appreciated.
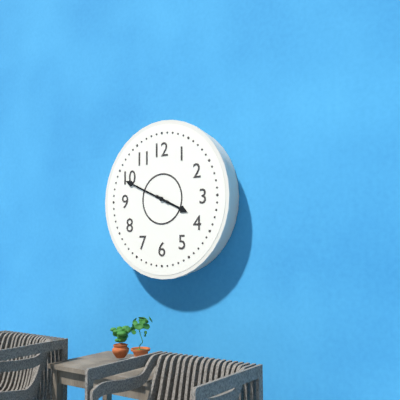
3.49
